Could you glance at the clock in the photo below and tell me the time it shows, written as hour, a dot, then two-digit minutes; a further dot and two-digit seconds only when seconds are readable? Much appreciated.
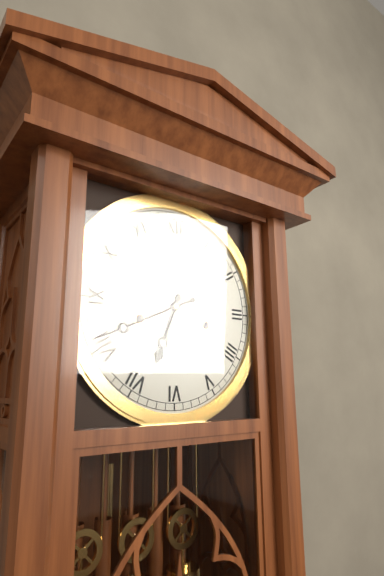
6.41
